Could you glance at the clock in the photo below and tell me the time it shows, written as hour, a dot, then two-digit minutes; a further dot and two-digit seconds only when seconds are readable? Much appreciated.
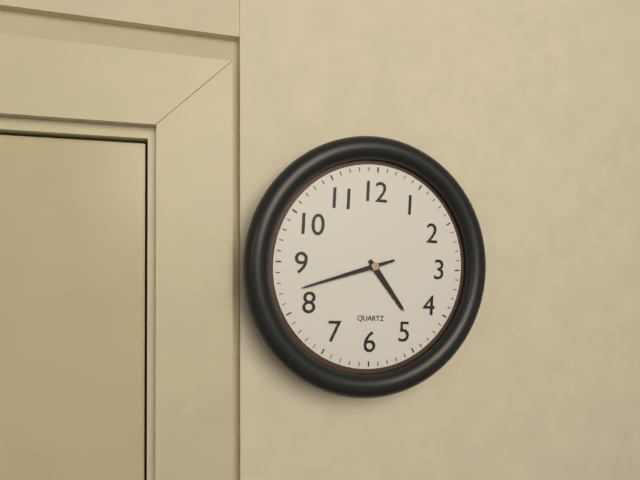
4.42
